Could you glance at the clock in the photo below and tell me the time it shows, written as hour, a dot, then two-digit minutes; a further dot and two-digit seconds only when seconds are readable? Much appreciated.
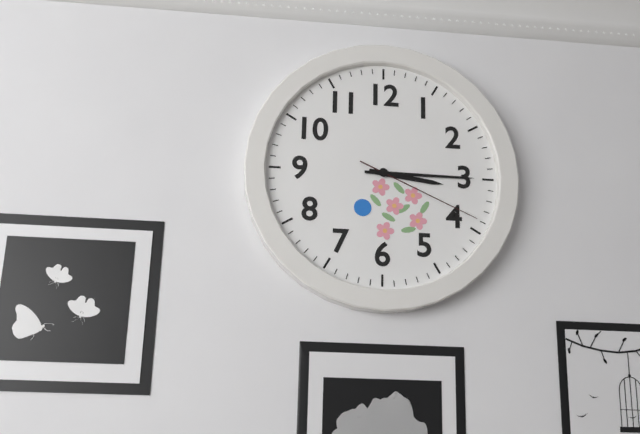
3.15.19
